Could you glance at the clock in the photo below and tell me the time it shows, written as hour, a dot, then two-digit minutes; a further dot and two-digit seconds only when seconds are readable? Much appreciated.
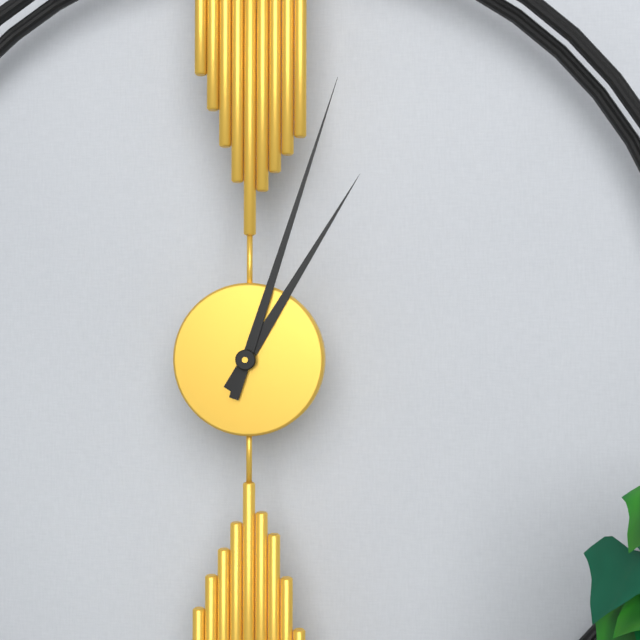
1.03
